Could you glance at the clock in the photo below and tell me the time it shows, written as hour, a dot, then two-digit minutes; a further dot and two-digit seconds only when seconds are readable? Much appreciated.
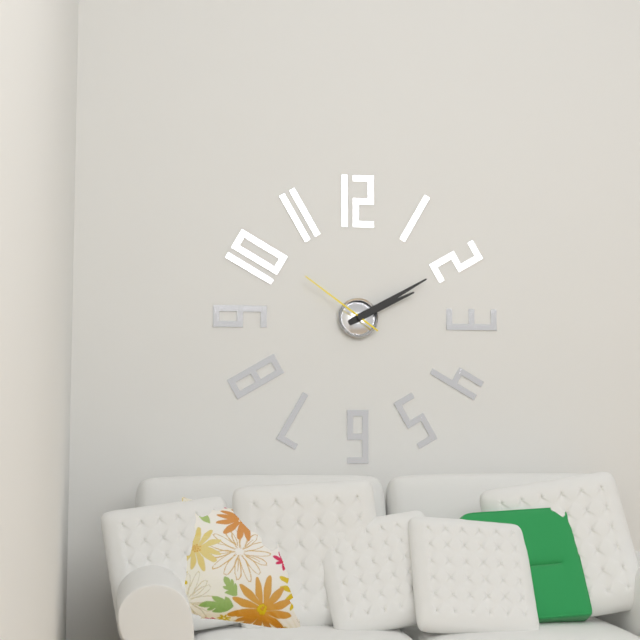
2.10.51
